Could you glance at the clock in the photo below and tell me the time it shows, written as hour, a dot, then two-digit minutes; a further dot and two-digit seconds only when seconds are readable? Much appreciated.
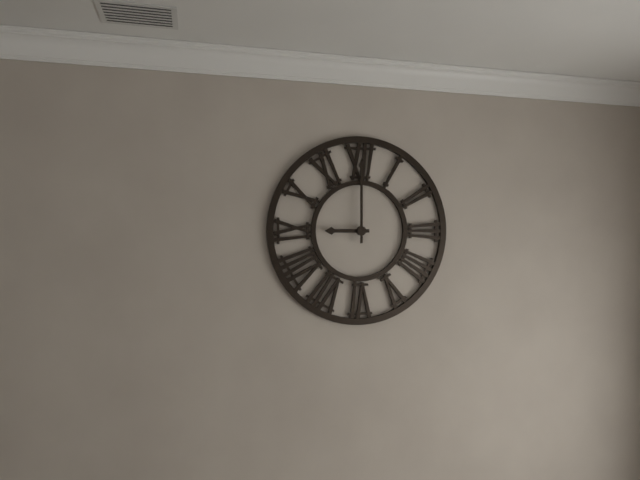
9.00
